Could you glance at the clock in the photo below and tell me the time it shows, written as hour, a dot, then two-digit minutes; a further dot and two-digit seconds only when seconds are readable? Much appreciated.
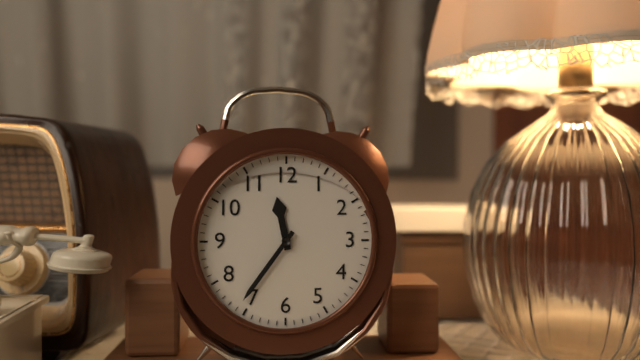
11.36
